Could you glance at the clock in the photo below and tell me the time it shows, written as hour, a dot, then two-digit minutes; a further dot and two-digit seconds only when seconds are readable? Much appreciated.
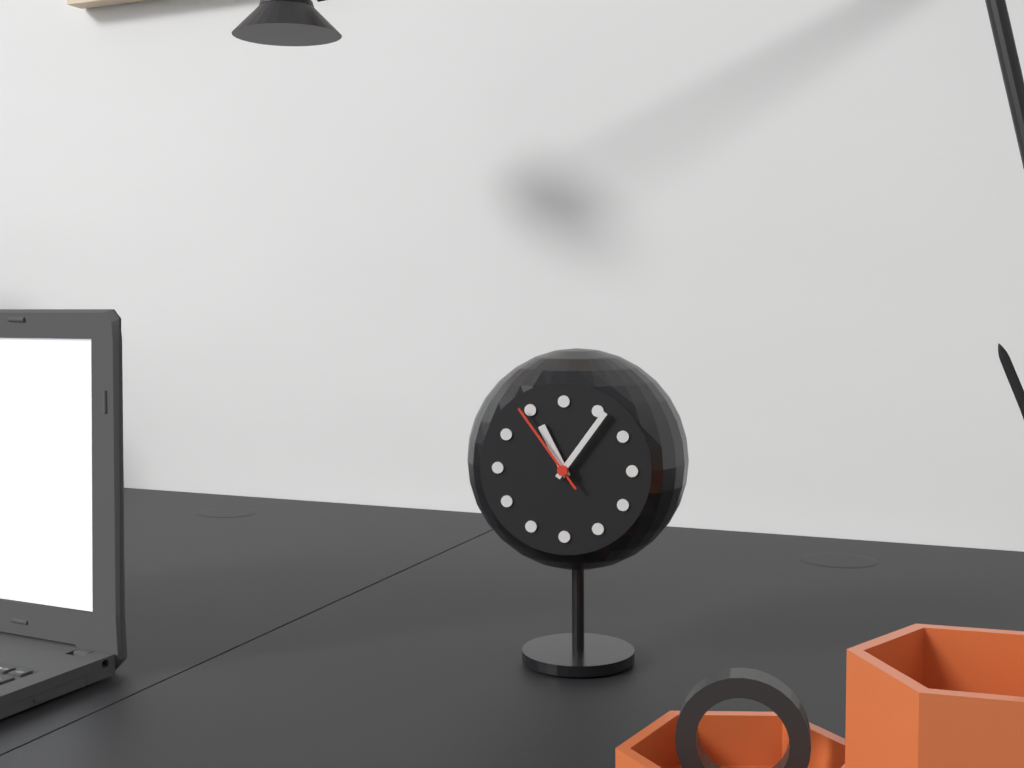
11.06.54
